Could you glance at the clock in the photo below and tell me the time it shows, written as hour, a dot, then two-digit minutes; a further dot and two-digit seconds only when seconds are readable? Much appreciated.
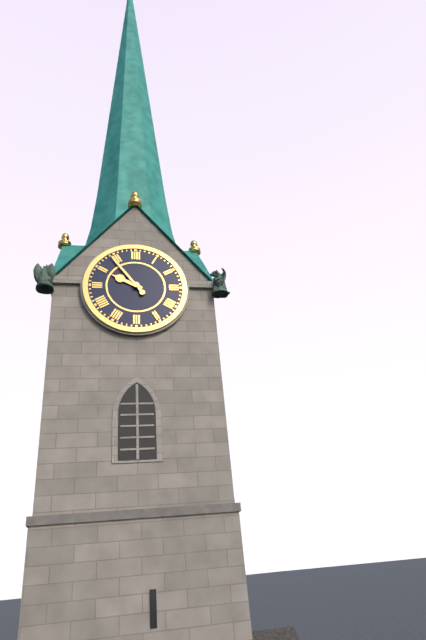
9.54
